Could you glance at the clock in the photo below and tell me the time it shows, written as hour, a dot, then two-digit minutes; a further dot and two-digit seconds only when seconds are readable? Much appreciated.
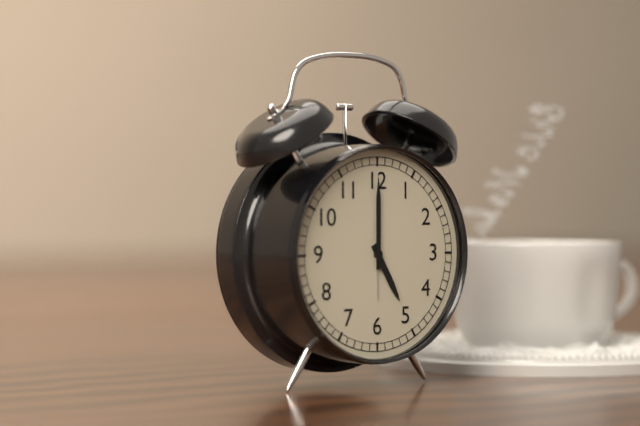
5.00
